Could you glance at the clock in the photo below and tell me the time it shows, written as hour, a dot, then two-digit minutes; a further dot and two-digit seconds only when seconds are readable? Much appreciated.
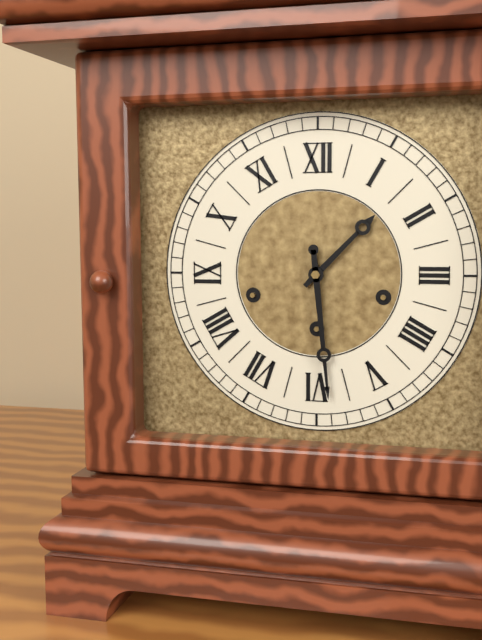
1.29
